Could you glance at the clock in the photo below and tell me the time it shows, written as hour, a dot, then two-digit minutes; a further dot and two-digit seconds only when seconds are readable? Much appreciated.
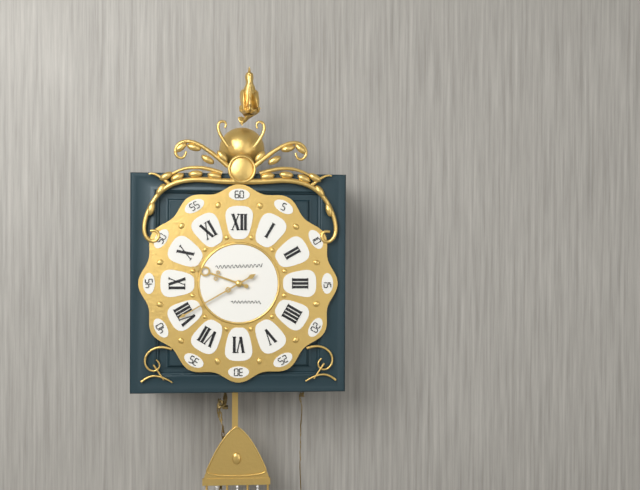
9.40
